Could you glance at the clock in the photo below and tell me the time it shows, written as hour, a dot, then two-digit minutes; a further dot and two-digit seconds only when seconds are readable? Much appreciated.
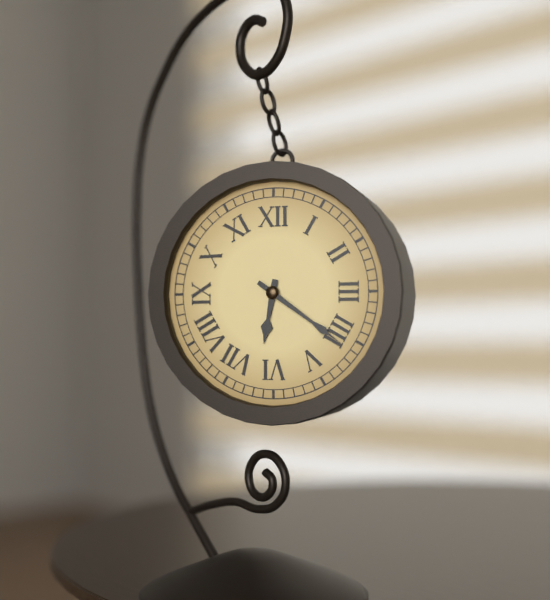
6.21
